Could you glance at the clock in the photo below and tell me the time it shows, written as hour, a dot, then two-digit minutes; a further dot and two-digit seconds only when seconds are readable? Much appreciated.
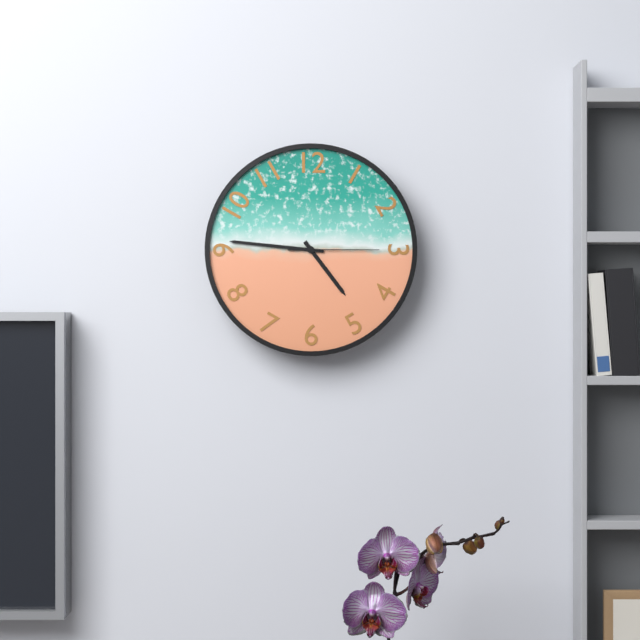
4.46.15
